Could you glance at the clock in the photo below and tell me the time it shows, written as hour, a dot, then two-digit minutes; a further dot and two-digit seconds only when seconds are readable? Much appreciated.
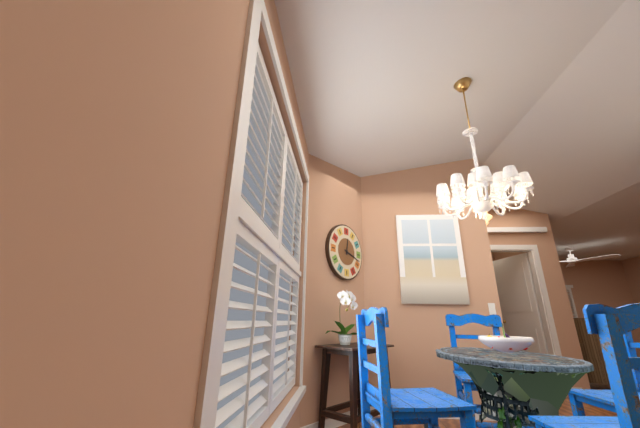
12.18
